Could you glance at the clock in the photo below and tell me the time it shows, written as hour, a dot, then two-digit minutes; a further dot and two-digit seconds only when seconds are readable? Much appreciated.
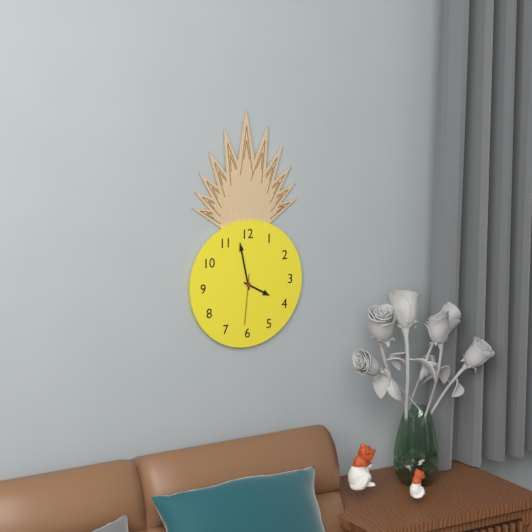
3.58.31
